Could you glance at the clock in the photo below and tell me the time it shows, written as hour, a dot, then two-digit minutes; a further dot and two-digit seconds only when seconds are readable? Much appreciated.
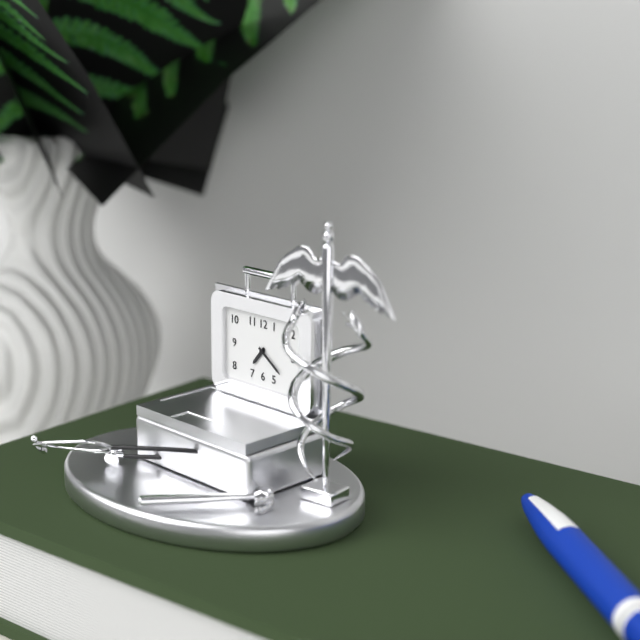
7.21
